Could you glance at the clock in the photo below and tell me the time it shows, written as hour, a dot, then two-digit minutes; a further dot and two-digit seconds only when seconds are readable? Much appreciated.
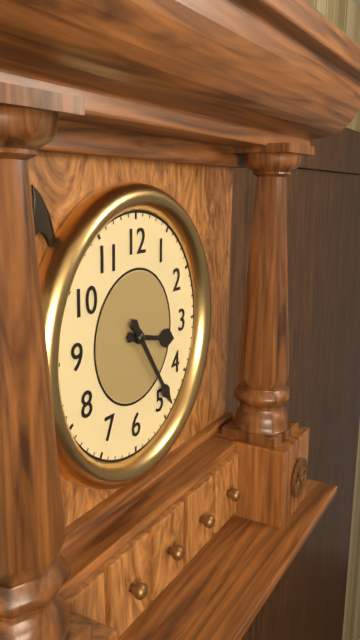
3.24
